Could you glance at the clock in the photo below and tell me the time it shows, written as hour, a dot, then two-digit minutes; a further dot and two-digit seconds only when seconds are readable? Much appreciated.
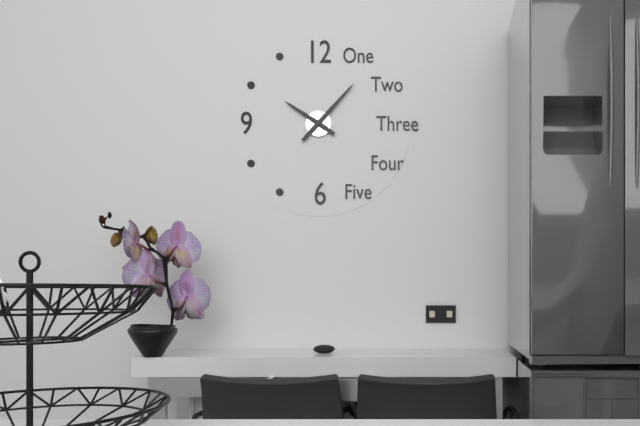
10.07
